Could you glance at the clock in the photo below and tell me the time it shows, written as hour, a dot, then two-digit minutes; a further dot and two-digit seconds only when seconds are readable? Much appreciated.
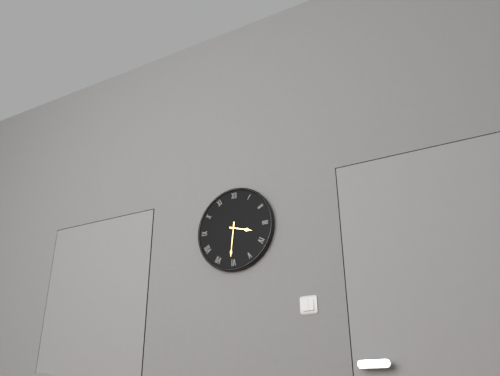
3.31
